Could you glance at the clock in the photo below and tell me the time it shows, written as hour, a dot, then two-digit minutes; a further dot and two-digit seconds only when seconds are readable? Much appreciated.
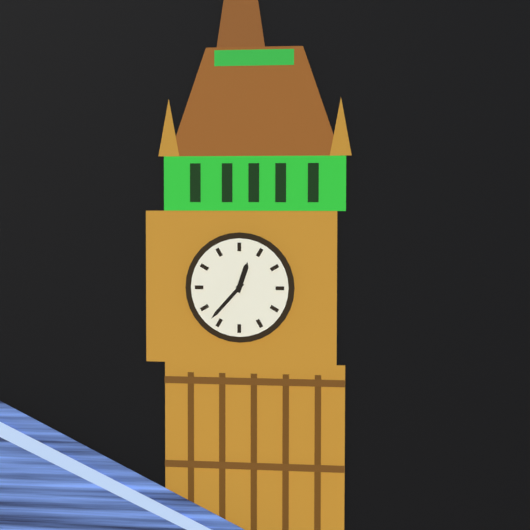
12.37
